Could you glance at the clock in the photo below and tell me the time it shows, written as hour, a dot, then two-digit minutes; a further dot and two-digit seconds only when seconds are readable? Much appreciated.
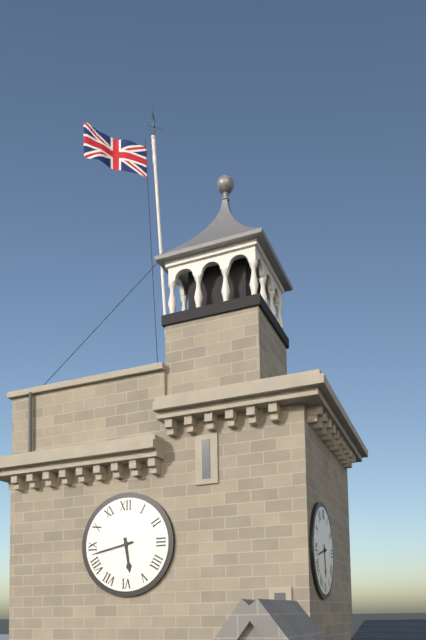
5.43
